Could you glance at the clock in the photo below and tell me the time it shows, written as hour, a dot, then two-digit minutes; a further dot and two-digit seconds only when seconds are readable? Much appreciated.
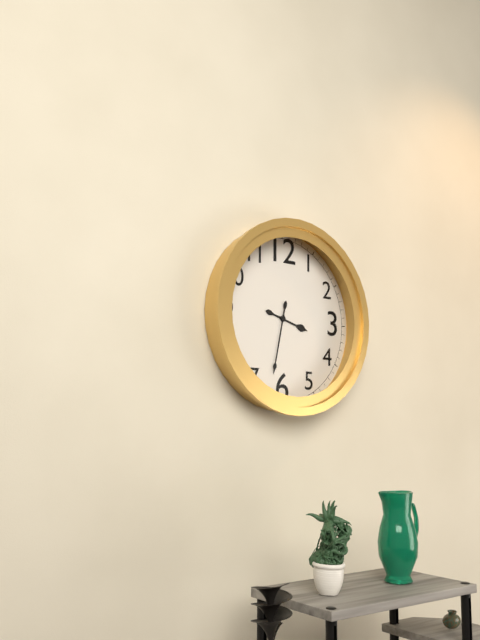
3.32
